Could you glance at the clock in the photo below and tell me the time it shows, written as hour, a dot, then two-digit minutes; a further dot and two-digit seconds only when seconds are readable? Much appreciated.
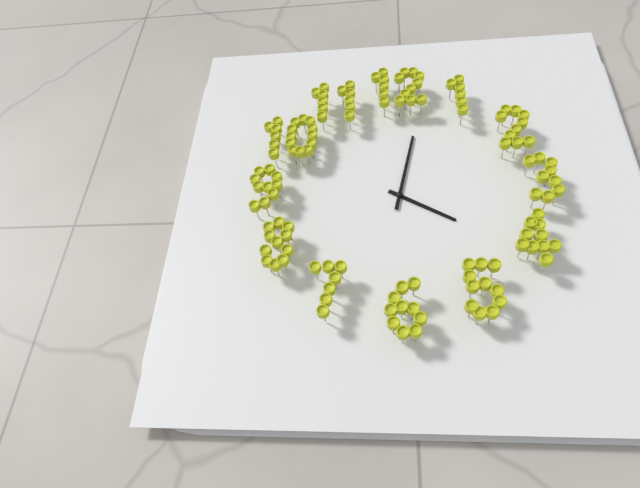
4.02
